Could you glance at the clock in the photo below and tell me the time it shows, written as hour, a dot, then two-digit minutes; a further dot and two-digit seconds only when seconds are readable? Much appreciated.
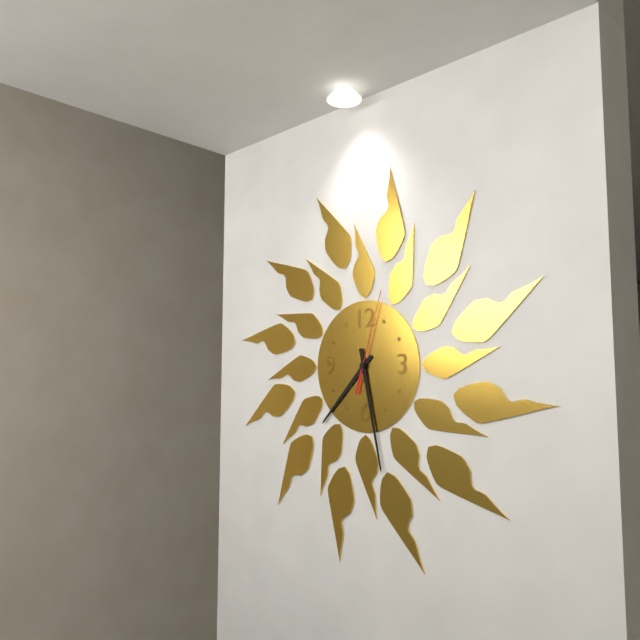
7.28.03
